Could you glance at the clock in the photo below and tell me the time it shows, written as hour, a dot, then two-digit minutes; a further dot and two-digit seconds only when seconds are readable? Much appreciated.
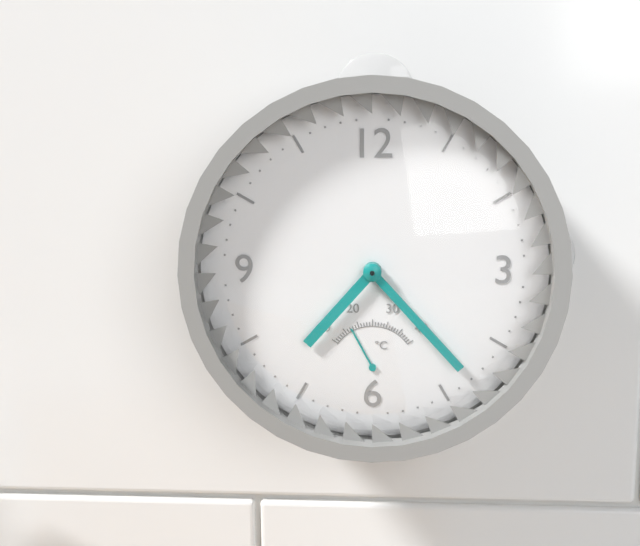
7.23
